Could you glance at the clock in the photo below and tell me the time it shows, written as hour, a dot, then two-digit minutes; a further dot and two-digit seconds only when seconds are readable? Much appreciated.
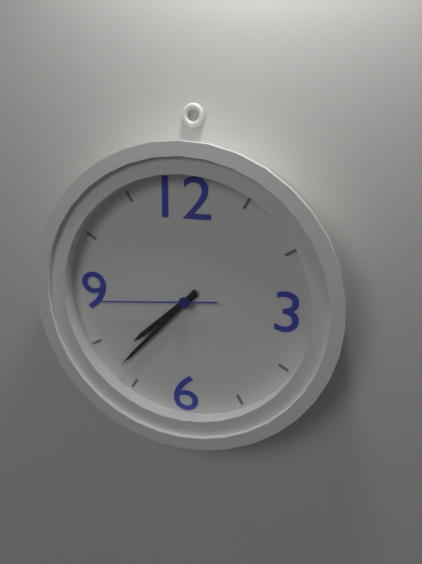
7.37.44
